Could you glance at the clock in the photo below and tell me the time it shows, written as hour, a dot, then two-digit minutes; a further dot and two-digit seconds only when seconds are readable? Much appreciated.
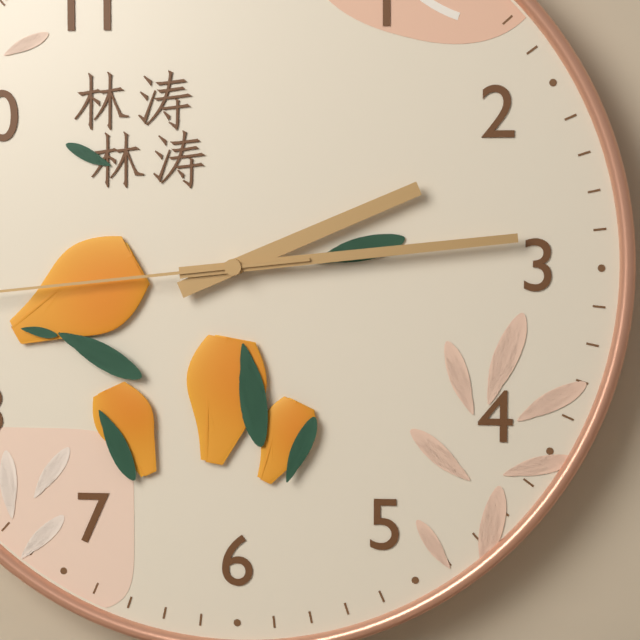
2.14
